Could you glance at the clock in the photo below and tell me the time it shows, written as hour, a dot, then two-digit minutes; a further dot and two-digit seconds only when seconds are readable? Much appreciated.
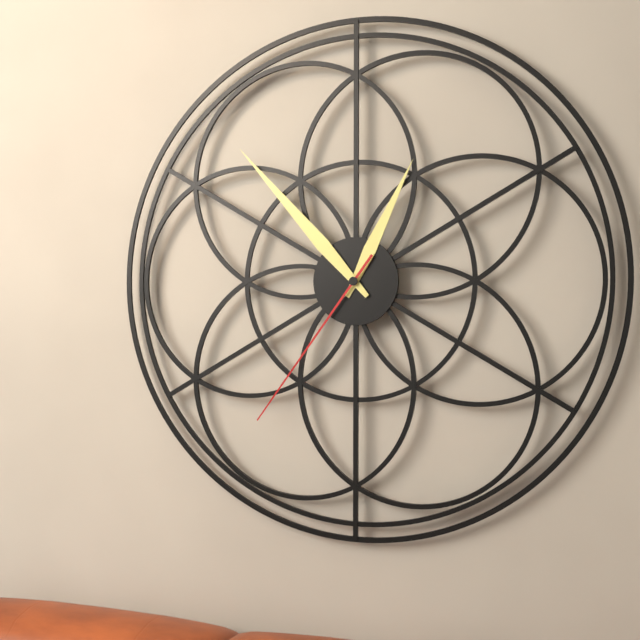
12.53.36
